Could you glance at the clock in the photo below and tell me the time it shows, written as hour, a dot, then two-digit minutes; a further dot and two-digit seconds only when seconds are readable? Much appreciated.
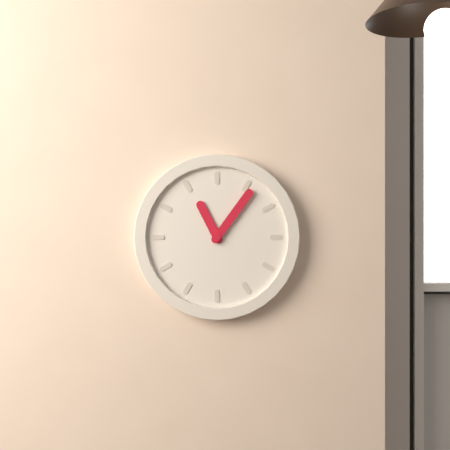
11.06
